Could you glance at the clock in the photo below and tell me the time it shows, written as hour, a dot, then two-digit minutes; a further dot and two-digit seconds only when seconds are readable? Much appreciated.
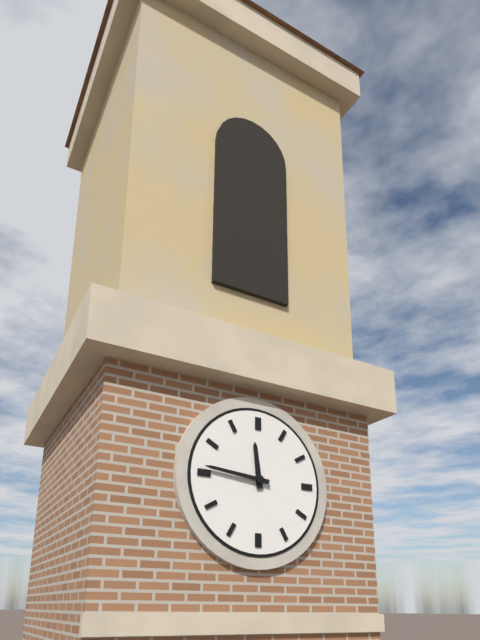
11.46
